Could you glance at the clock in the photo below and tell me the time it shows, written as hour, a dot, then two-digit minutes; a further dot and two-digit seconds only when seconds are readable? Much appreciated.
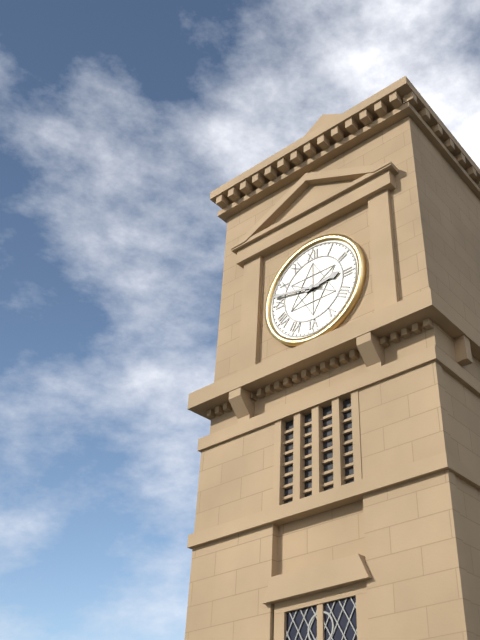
2.47
